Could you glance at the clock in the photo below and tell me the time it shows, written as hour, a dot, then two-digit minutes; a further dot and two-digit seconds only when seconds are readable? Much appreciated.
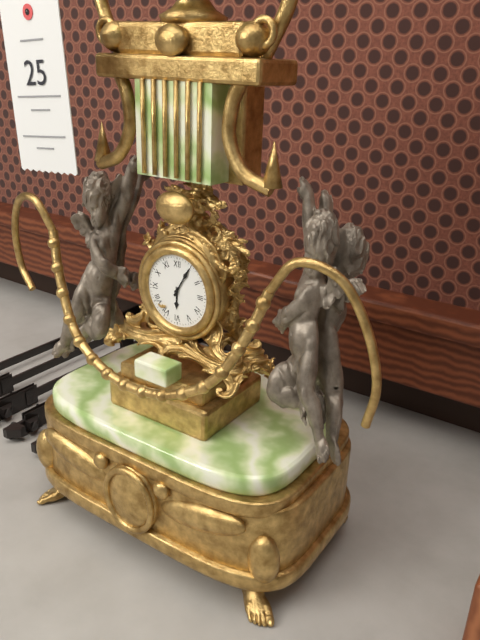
6.05
